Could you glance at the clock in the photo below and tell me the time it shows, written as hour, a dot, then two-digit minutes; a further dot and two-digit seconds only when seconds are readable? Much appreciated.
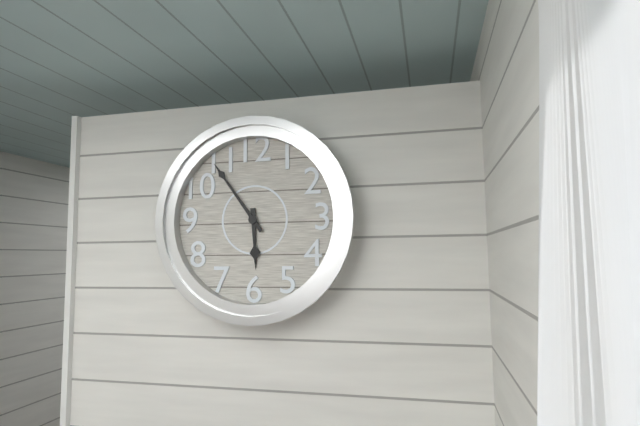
5.54
